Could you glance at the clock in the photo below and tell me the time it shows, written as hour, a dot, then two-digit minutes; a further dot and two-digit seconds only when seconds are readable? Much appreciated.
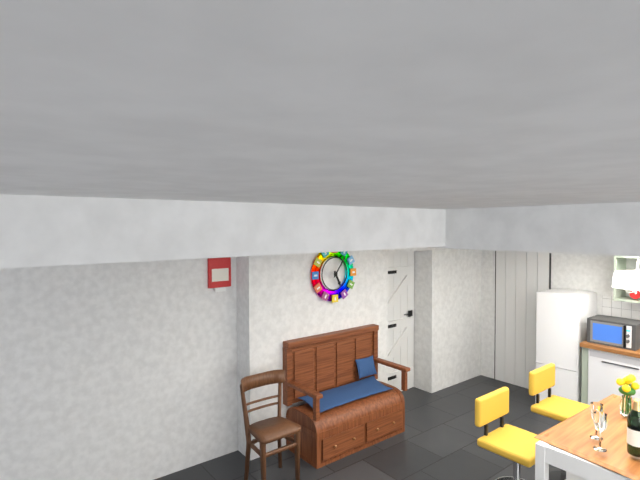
5.06
